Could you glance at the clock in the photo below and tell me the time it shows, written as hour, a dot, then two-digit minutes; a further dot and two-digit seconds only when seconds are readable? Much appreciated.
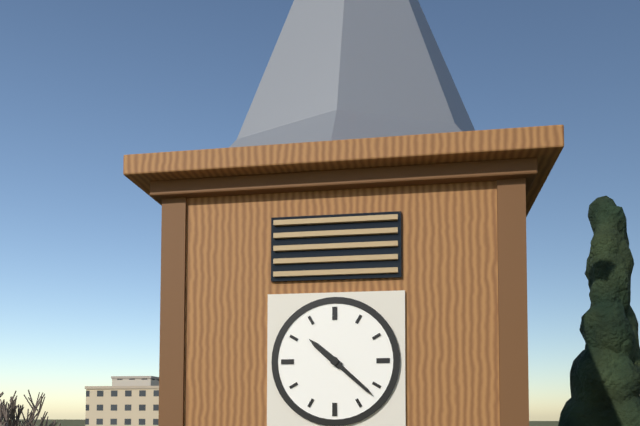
10.22
